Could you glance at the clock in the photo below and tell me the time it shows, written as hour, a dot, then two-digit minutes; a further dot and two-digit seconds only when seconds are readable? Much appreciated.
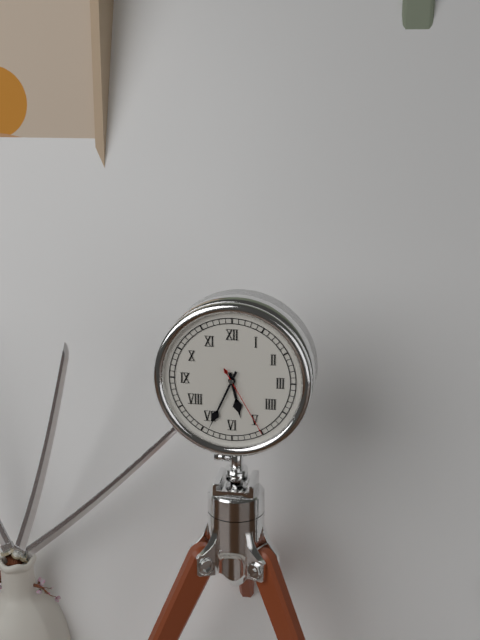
5.34.25
